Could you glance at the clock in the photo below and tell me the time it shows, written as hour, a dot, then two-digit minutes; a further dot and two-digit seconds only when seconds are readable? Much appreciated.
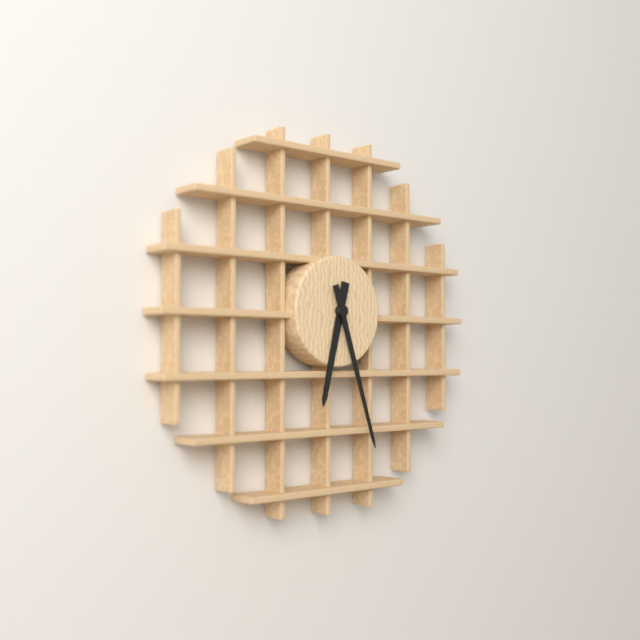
6.27
